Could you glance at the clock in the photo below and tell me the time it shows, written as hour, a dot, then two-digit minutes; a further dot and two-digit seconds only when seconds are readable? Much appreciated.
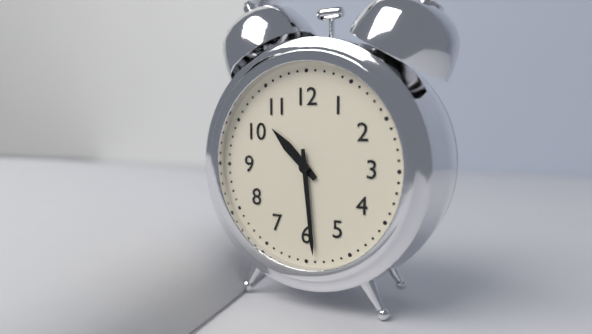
10.29
